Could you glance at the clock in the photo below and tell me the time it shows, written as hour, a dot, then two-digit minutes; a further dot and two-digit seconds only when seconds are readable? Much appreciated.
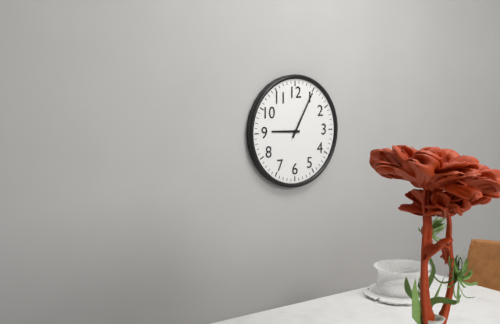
9.05
